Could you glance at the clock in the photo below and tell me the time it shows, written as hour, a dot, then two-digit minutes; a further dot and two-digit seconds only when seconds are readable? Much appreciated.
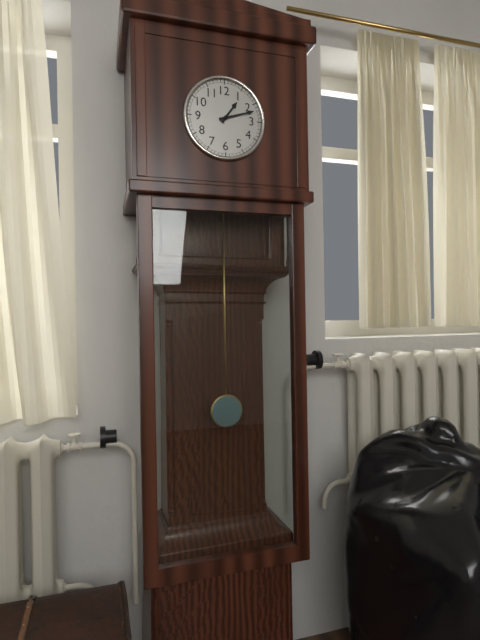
1.12
